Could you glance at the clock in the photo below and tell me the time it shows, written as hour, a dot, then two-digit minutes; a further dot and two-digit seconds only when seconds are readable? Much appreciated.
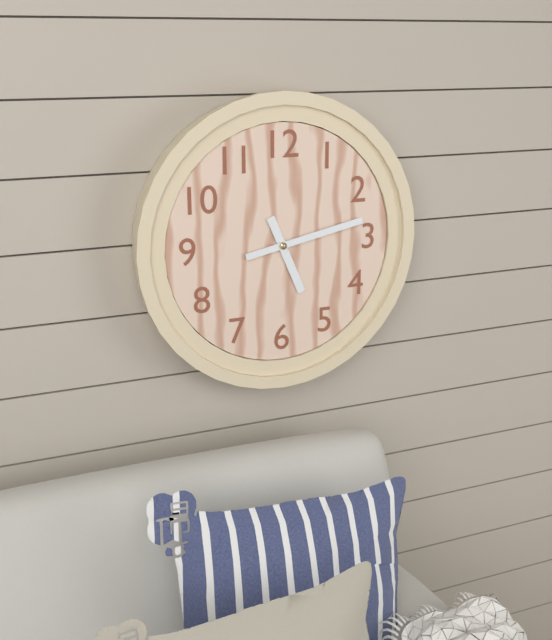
5.13
